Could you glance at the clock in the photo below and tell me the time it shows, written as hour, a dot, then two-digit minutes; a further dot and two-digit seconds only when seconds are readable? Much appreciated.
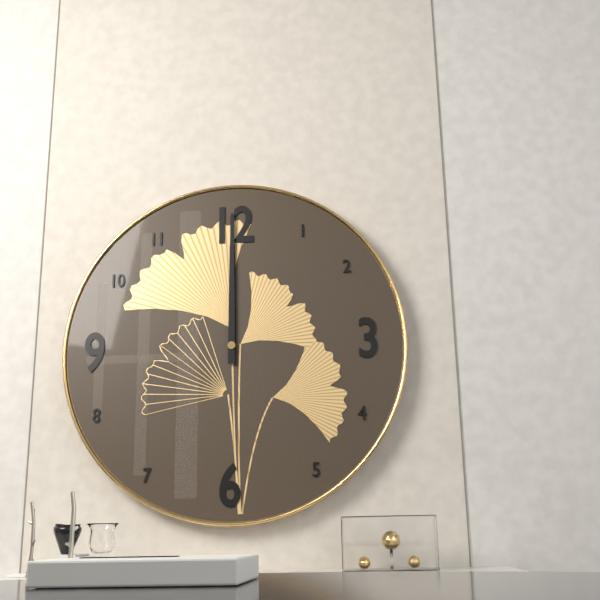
12.00
